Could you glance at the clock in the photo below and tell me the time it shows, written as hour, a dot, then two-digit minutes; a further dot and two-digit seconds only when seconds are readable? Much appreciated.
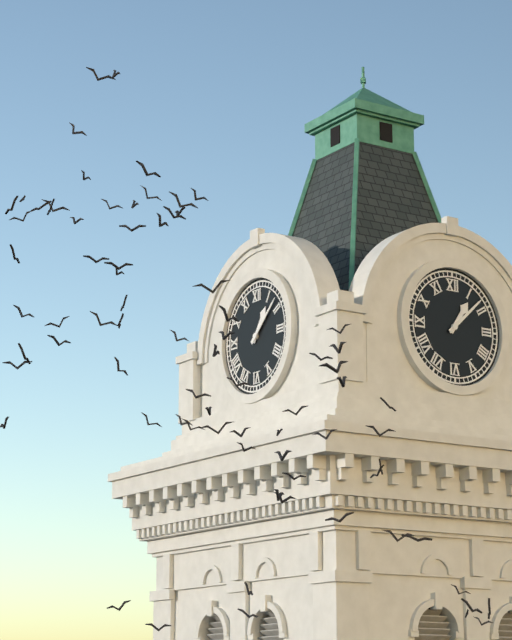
1.08
